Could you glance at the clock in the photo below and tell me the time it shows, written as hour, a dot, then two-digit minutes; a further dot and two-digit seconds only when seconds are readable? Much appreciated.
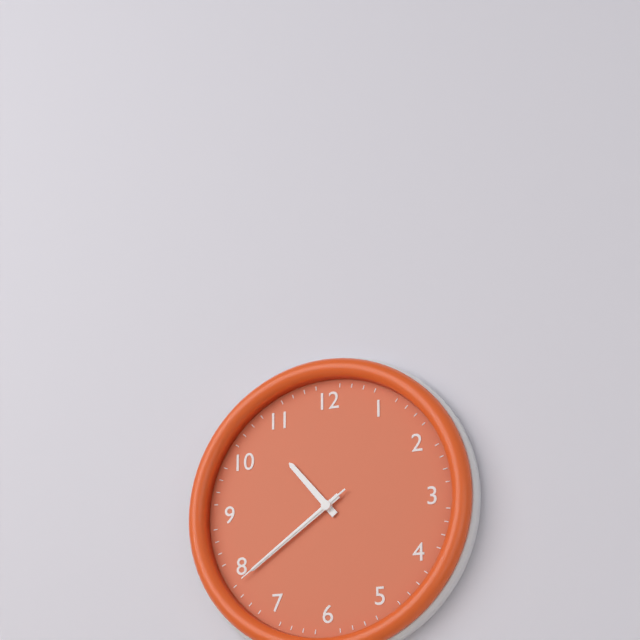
10.39.39
